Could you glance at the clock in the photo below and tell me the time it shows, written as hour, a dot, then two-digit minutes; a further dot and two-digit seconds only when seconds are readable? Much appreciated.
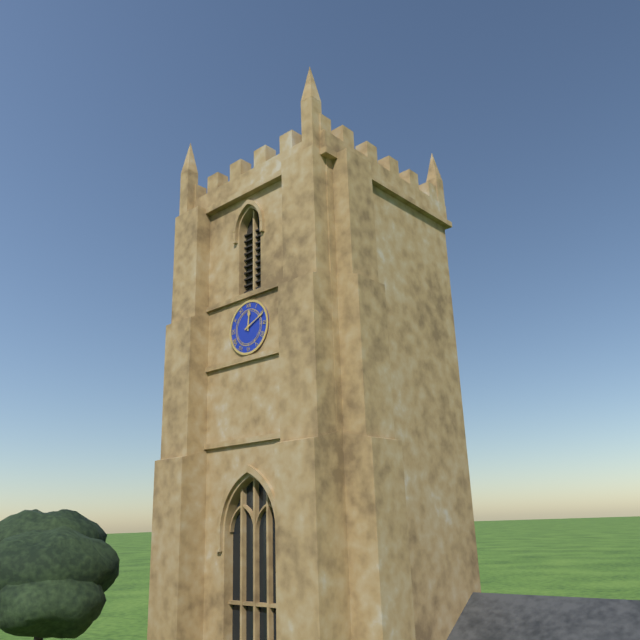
12.11
